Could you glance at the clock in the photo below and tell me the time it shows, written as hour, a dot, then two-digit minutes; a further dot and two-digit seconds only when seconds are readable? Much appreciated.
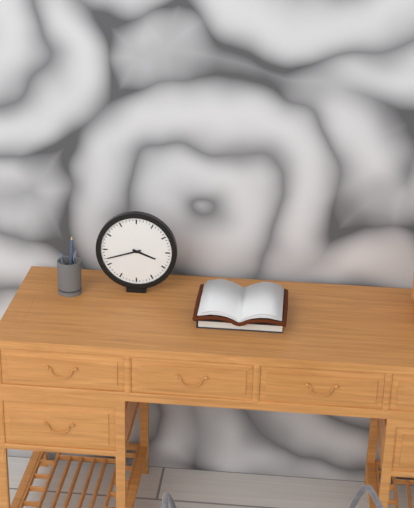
3.42
